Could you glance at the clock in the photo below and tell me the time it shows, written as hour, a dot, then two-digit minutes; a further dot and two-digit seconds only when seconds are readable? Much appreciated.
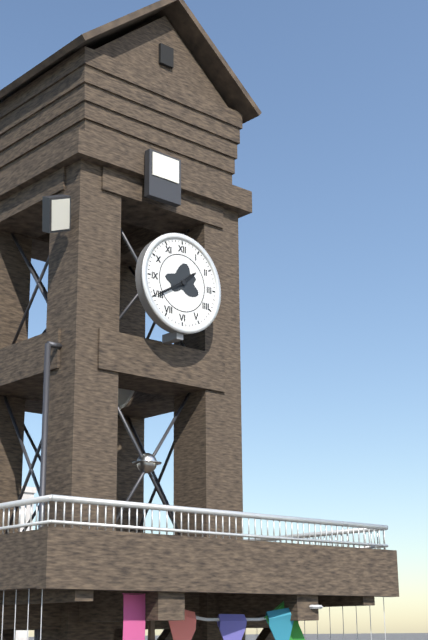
1.40
